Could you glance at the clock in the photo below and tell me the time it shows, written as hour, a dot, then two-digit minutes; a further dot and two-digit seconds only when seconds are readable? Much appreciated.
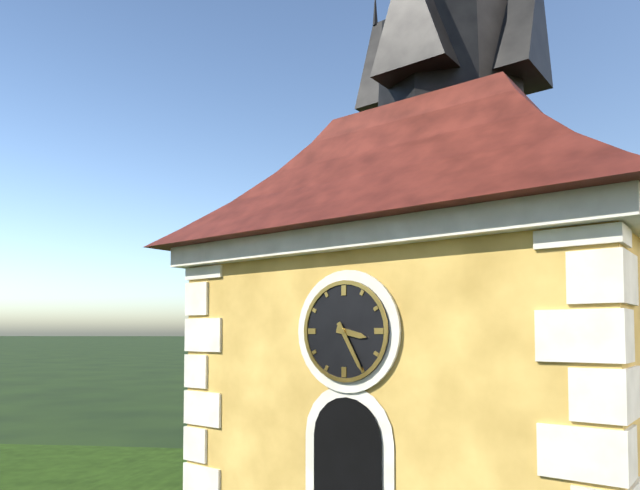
3.25
